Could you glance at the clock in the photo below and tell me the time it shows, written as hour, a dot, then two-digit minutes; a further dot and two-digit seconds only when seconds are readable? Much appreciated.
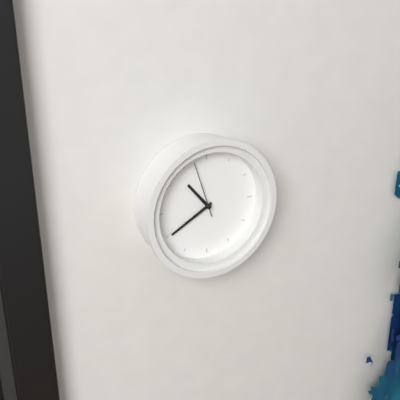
10.40.57
